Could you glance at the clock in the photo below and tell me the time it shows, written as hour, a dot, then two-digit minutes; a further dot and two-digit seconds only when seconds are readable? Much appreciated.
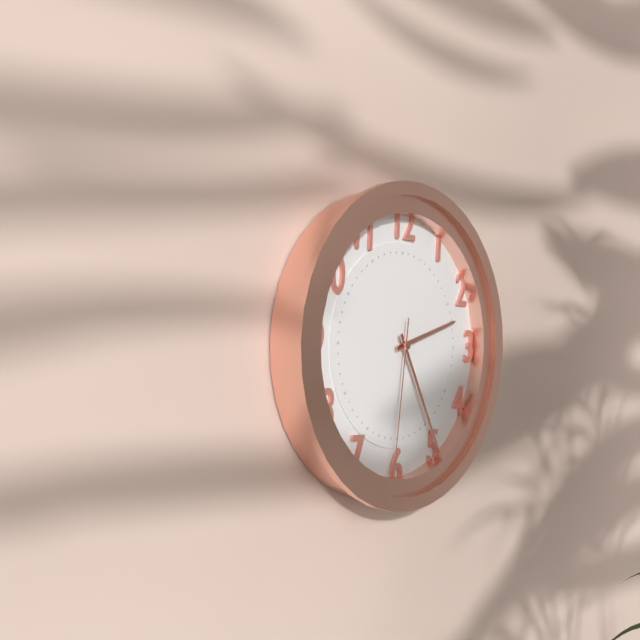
2.25.31
